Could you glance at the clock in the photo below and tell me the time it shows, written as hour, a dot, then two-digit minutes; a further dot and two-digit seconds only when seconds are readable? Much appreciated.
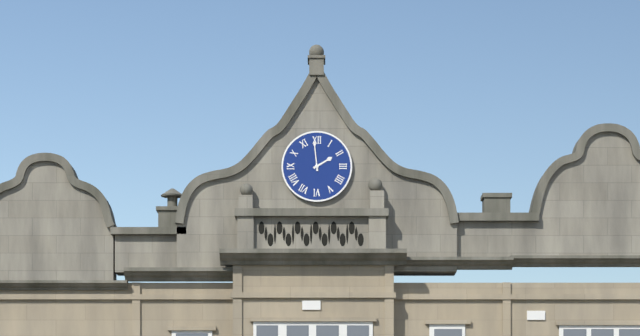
1.59
